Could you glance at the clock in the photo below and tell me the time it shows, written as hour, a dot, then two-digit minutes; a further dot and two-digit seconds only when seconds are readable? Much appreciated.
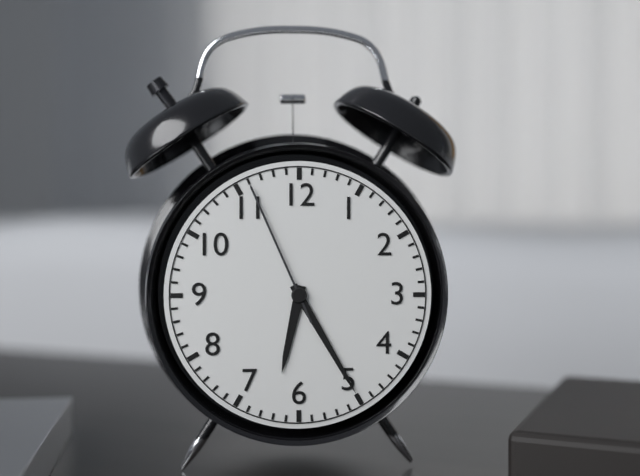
6.25.56
